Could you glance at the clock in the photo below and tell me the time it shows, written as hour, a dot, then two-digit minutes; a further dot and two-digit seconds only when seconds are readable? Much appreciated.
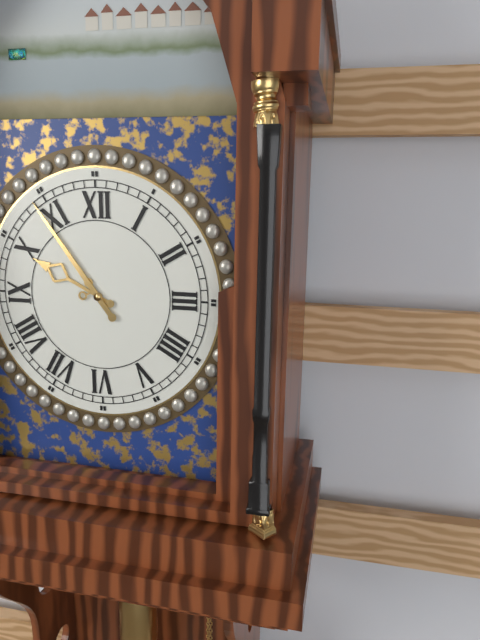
9.54
